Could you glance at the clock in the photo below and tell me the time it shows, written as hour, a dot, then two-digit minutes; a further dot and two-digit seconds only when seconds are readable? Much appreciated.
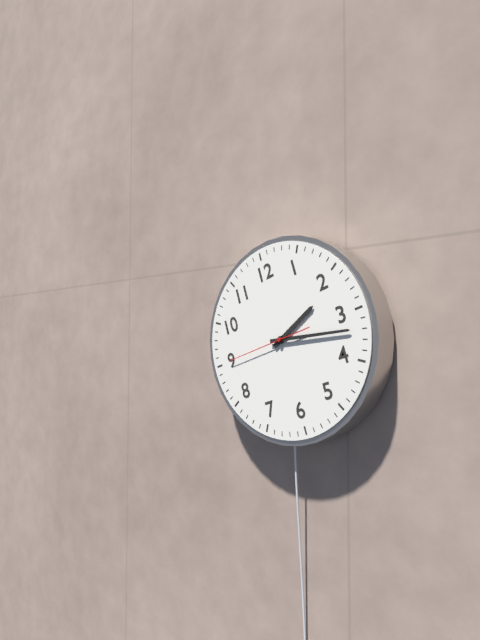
2.17.45
